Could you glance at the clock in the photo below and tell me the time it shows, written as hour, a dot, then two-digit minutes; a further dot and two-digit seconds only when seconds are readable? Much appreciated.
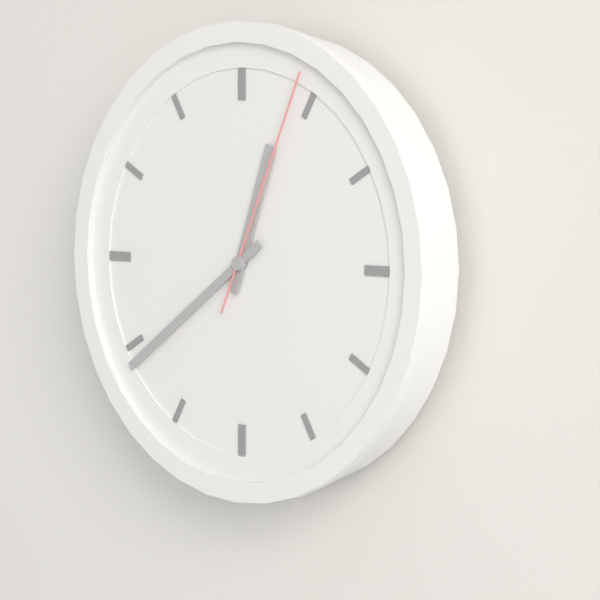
12.39.04
